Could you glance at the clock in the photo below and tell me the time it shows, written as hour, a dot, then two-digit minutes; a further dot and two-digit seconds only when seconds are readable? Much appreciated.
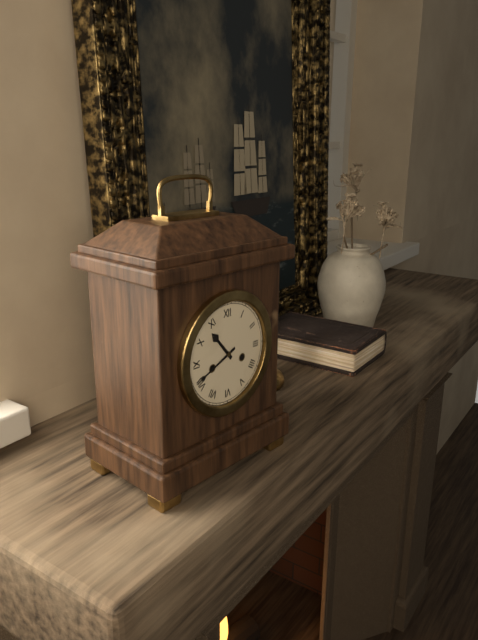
10.41
